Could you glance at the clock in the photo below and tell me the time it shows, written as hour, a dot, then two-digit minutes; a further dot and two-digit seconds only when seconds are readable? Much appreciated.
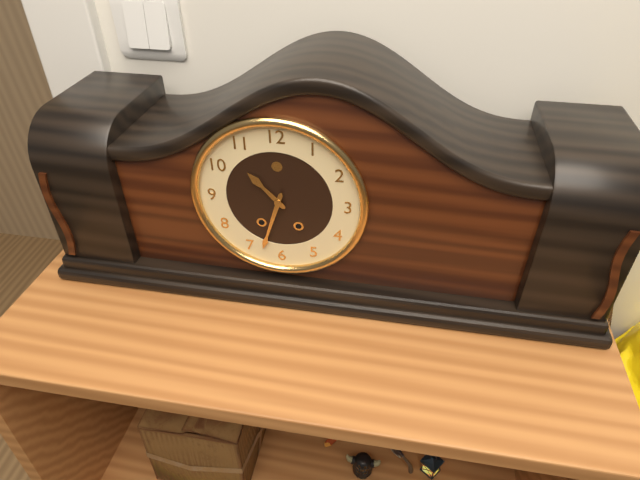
10.33
